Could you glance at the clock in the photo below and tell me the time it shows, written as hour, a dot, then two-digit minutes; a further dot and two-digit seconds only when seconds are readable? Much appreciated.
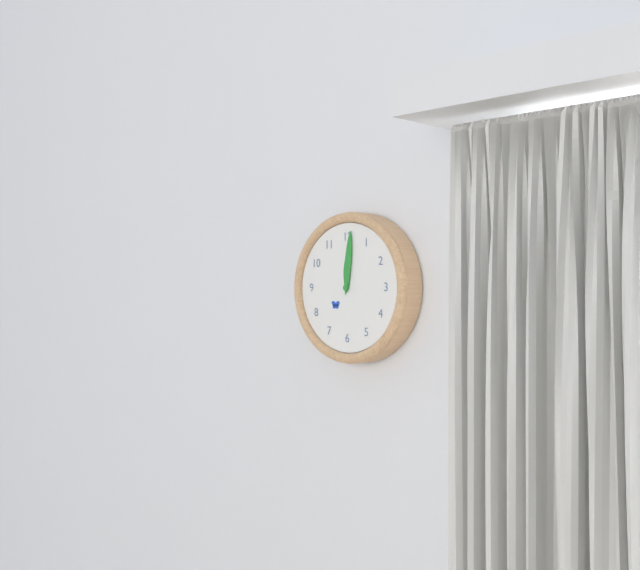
12.01
